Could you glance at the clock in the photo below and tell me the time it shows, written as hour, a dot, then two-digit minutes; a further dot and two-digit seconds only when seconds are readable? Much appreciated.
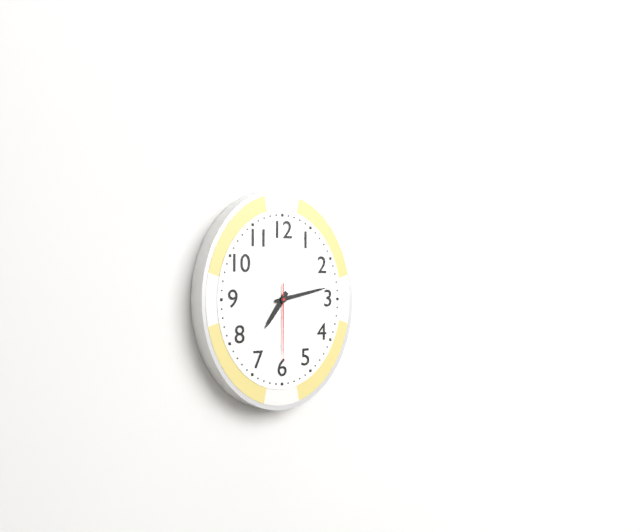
7.13.30
